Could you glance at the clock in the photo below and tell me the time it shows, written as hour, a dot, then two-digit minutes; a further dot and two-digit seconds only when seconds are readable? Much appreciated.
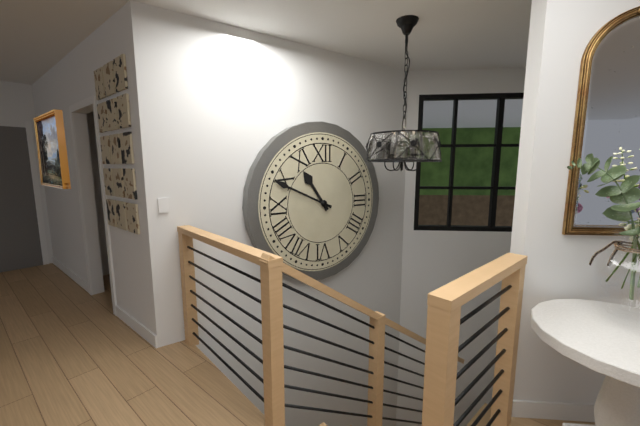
10.49
